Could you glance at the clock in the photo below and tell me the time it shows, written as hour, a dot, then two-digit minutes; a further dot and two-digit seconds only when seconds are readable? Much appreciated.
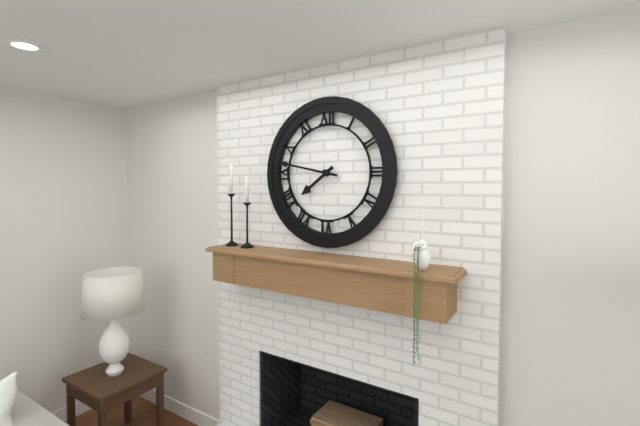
7.47
